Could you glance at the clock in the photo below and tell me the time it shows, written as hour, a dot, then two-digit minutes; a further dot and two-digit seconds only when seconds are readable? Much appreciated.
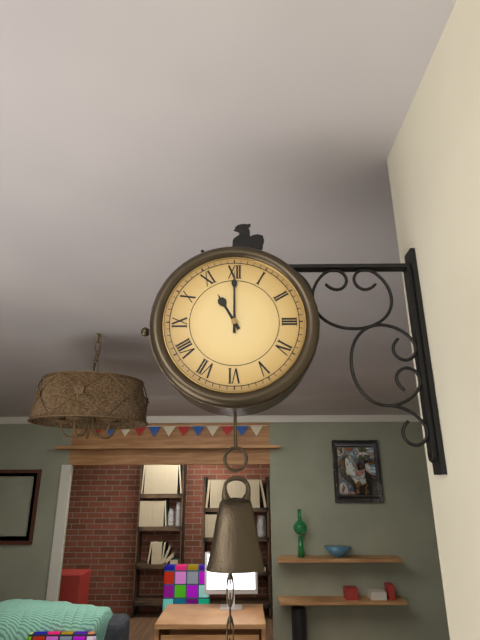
11.00
